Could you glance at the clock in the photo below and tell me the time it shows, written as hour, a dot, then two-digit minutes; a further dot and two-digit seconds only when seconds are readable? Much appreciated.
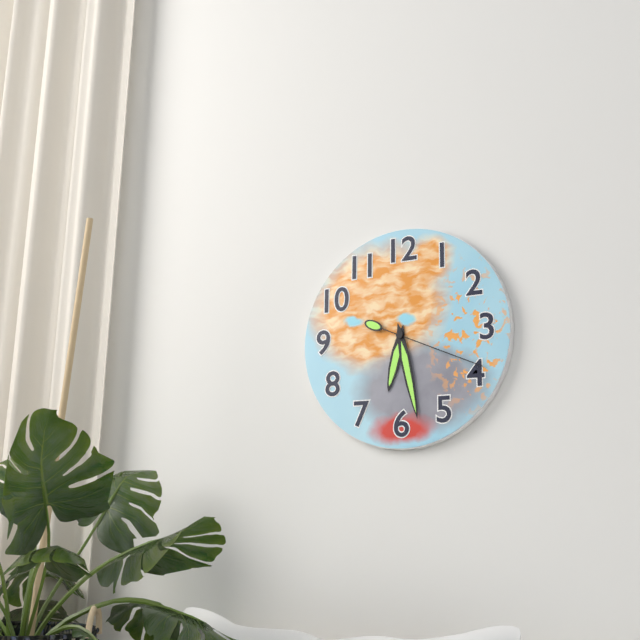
6.28.19
